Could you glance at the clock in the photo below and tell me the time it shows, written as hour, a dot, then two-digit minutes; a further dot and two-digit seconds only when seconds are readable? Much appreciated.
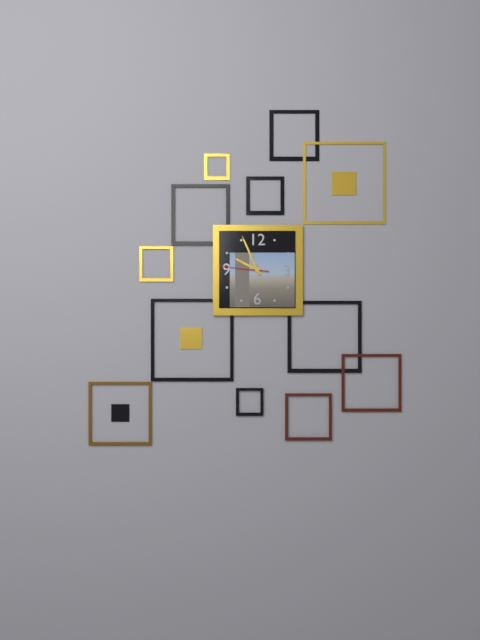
9.56.46
